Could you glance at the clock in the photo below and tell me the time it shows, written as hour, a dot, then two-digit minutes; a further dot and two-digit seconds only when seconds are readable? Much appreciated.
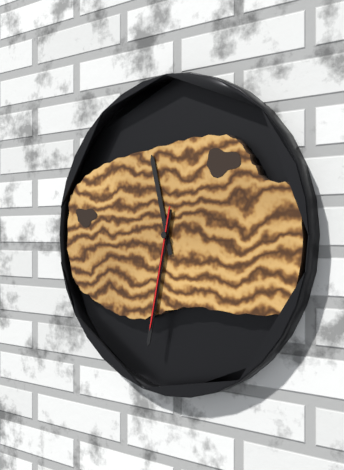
11.32.32
